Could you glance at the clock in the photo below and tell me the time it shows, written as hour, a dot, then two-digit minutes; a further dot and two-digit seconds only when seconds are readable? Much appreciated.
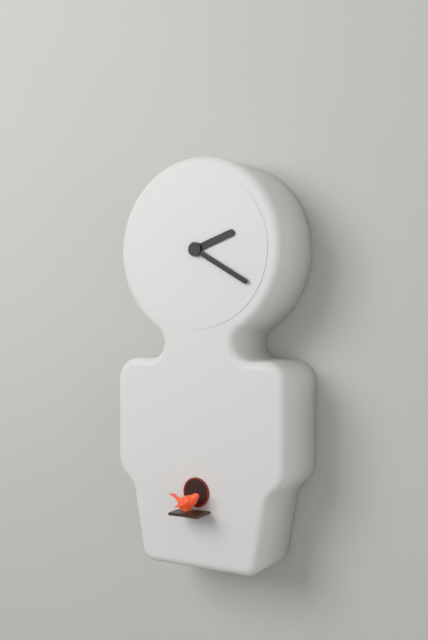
2.20
